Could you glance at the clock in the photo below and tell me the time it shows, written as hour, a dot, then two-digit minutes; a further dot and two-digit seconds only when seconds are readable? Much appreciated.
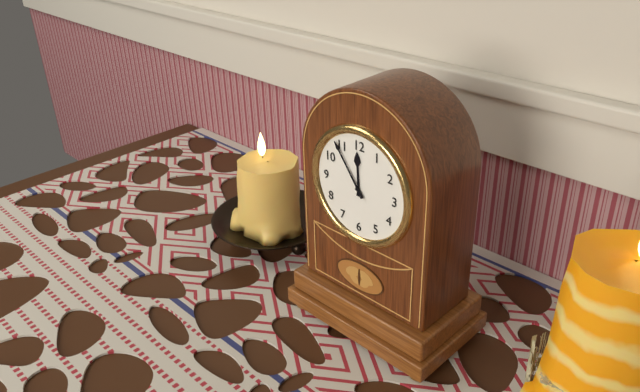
11.54
